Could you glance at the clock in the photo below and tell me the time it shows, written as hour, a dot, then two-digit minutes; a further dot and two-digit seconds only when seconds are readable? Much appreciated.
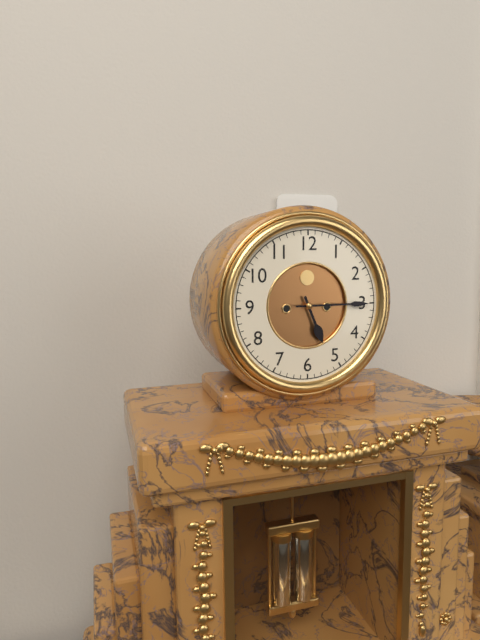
5.15
